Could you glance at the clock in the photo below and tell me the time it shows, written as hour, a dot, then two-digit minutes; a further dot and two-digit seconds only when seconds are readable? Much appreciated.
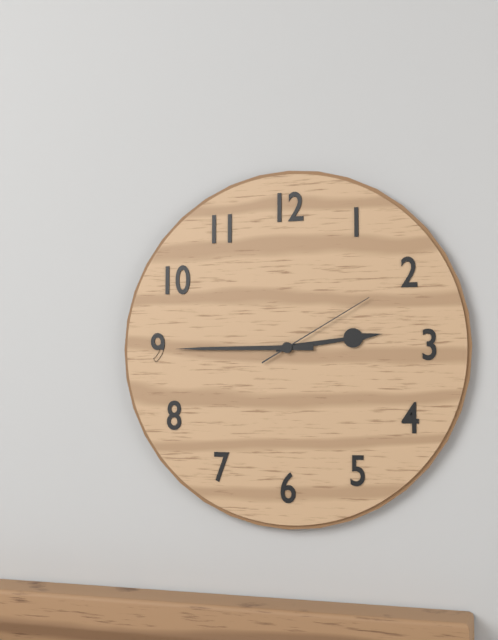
2.45.10
